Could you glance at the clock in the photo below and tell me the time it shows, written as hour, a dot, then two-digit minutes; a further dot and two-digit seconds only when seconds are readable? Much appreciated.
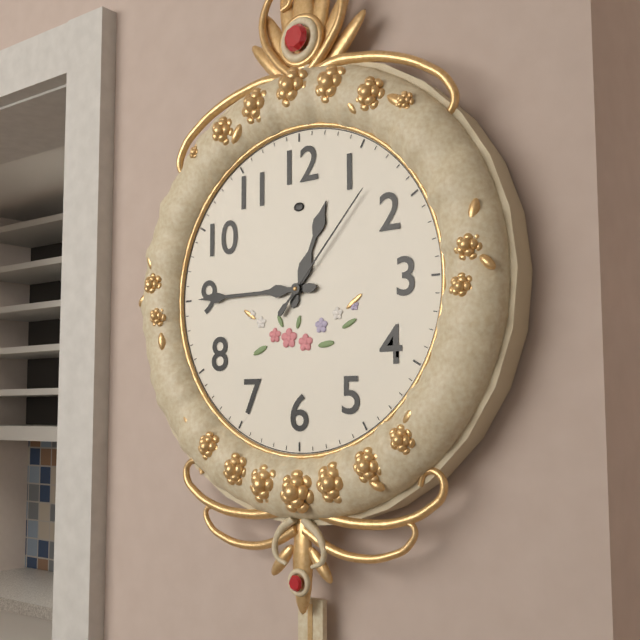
12.45.07
